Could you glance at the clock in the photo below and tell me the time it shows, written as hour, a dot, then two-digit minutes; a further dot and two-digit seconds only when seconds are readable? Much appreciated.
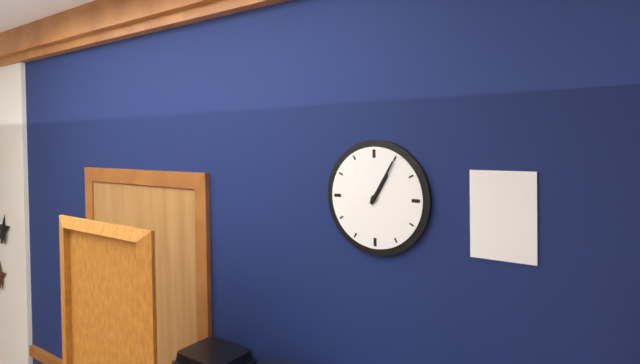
1.05
